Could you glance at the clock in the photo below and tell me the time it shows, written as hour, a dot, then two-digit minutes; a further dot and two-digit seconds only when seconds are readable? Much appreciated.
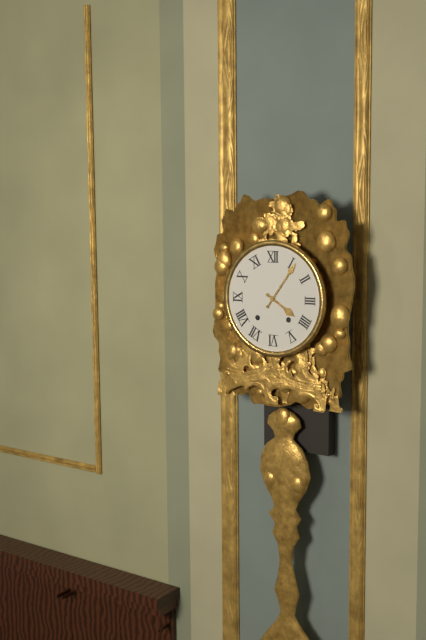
4.06
